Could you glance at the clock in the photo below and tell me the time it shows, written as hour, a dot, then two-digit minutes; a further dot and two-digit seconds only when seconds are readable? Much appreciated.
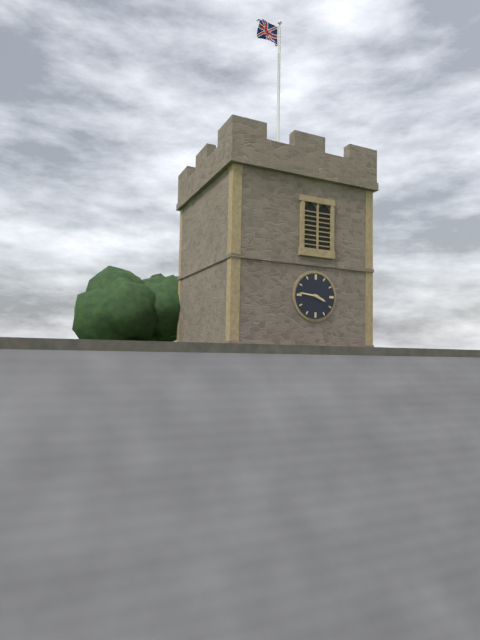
3.46
